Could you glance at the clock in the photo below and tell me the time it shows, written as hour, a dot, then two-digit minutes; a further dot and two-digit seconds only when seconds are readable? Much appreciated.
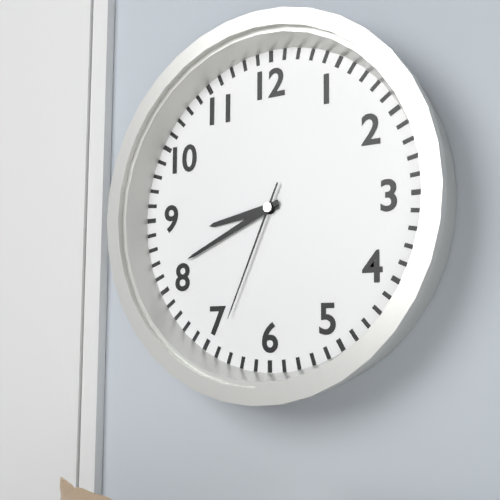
8.41.34
